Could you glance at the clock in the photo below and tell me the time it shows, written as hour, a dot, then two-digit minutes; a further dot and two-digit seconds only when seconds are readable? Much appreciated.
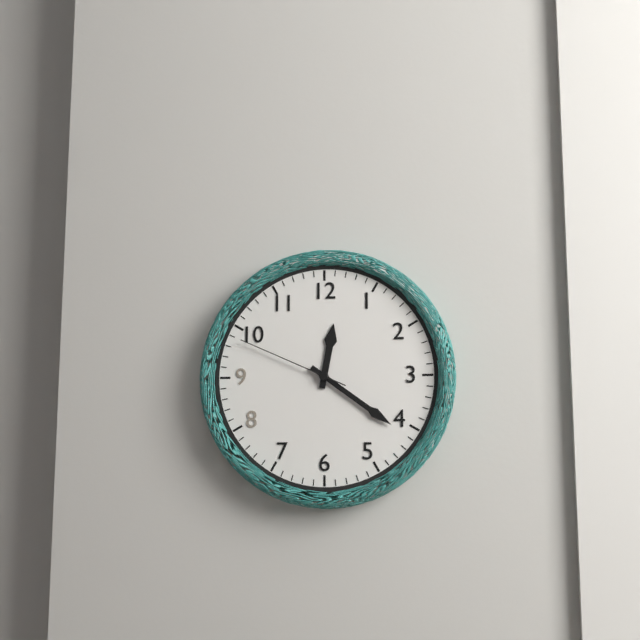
12.21.49
